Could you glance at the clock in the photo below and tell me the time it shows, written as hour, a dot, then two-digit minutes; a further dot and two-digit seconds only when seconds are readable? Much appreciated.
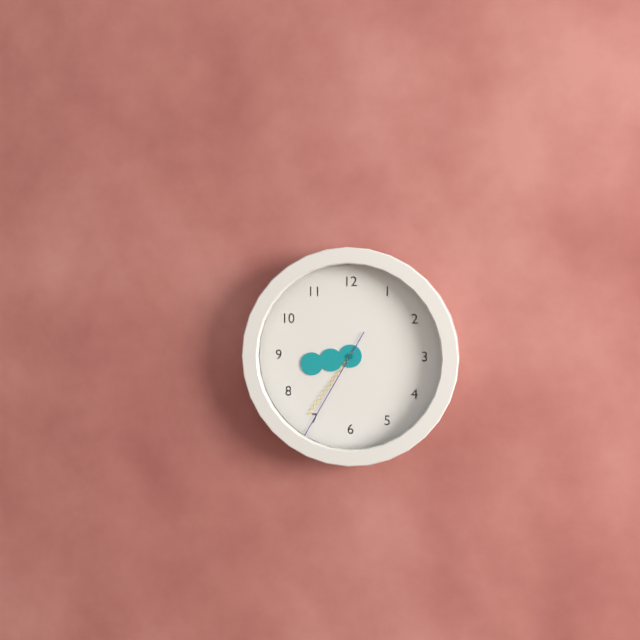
8.36.35
